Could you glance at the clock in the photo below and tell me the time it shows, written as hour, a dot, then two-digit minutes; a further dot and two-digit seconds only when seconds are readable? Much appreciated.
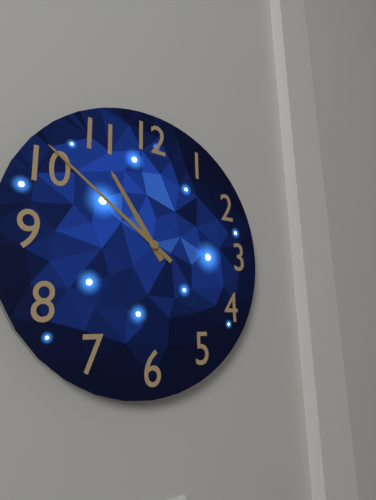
10.51
